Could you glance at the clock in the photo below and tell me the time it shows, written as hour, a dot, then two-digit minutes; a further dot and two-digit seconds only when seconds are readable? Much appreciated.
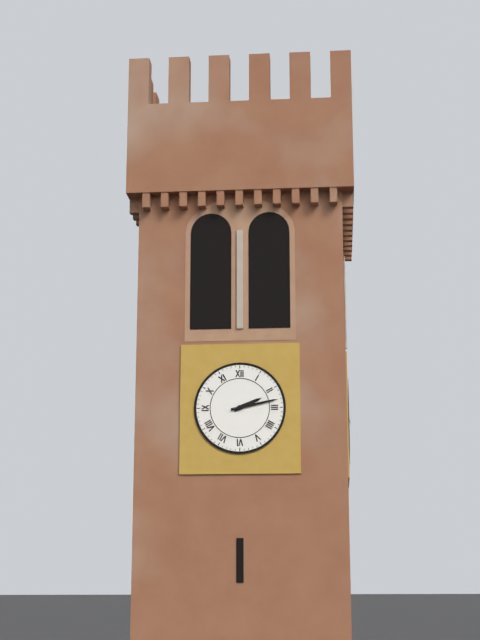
2.13
